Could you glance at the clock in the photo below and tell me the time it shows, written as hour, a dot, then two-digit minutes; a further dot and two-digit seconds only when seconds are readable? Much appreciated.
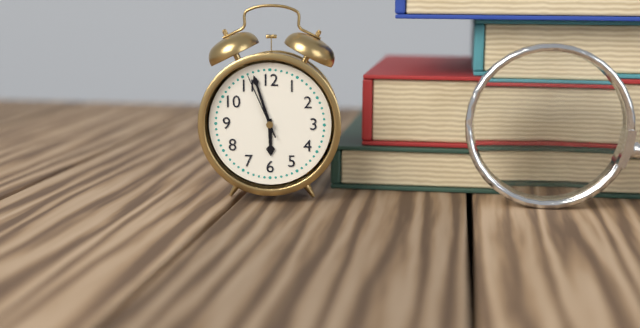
5.57.56
